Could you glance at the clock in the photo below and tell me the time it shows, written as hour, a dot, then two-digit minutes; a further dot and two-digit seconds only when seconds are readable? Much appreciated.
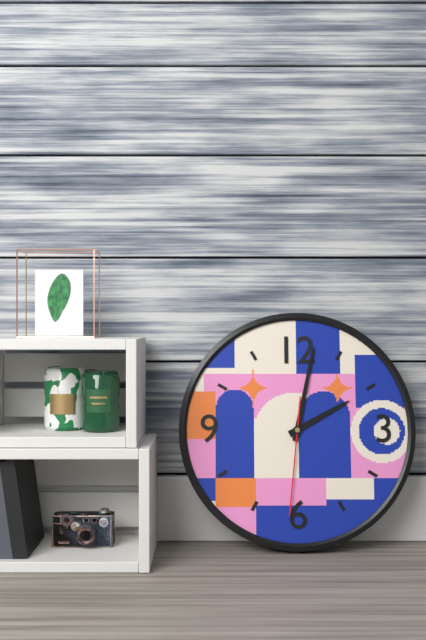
2.02.31
